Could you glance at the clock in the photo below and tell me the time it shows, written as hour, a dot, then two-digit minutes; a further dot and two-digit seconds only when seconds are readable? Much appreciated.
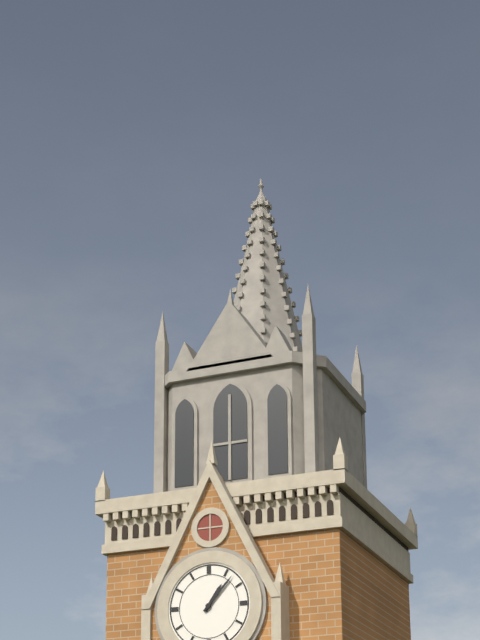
1.07
